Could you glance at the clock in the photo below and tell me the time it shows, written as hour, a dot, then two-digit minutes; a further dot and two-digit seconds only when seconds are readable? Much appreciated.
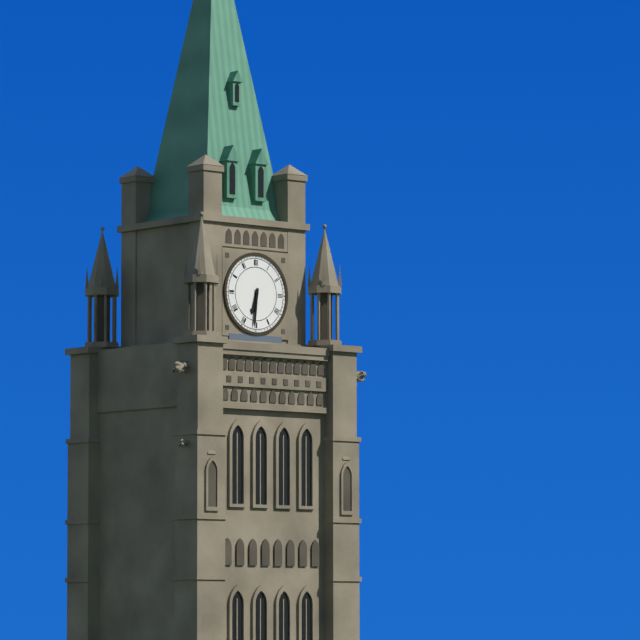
6.31
